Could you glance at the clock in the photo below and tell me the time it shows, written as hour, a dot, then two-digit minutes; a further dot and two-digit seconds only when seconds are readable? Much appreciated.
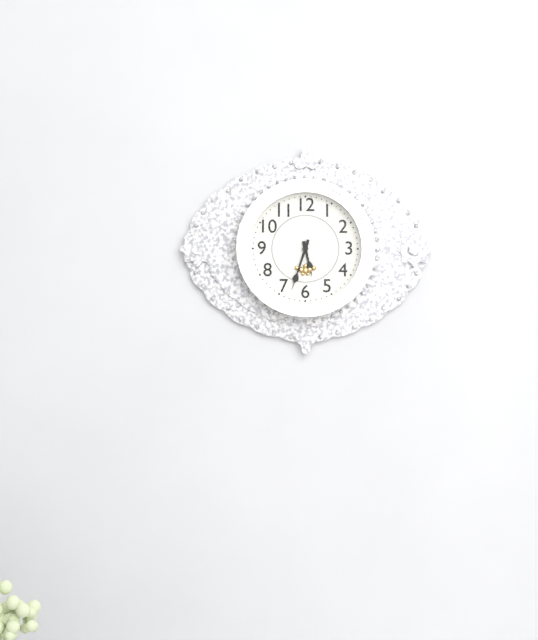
5.33
